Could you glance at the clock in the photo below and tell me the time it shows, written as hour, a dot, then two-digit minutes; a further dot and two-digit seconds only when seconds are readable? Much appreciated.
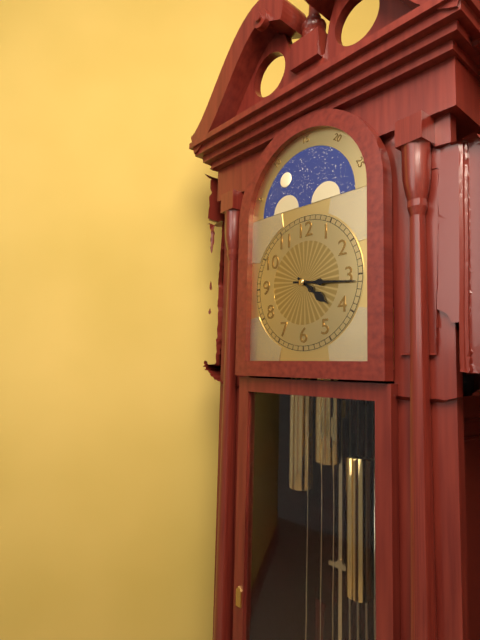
4.16
